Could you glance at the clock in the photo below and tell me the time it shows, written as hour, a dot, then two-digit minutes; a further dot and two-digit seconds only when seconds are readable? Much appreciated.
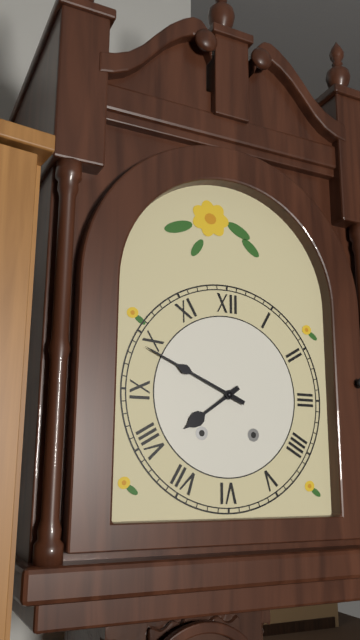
7.49
